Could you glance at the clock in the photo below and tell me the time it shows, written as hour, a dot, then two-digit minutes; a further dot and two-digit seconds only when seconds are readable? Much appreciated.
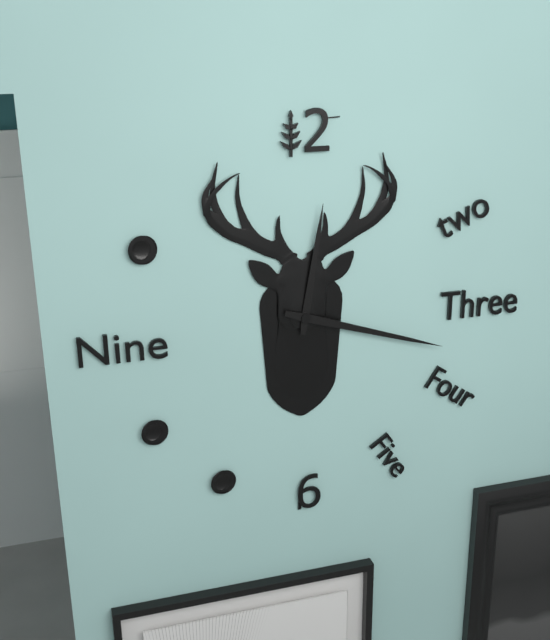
12.18
